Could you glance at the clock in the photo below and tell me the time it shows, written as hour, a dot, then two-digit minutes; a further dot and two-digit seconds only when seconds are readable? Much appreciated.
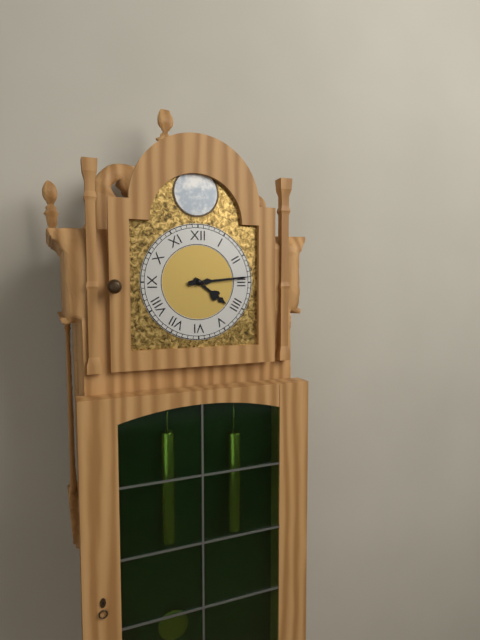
4.14
